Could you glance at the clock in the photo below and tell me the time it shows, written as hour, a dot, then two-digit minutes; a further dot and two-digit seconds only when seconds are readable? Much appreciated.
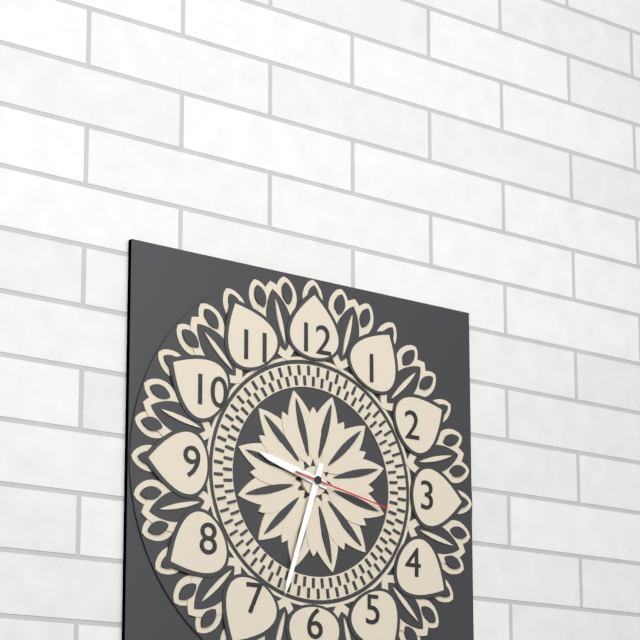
9.33.17
